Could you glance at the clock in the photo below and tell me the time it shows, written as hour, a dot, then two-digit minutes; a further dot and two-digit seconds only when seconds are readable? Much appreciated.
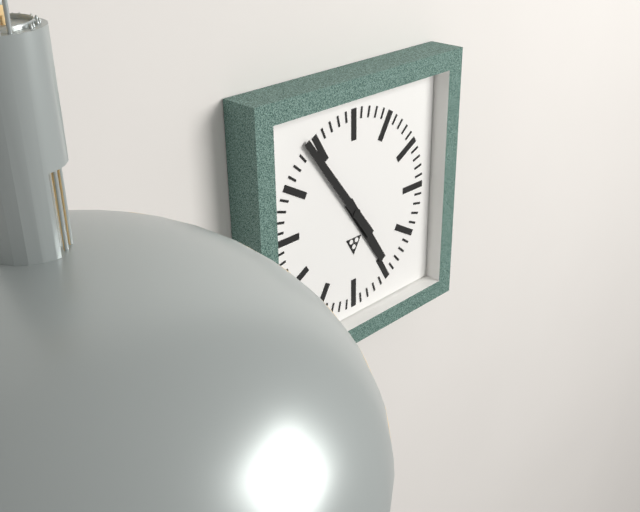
4.54
